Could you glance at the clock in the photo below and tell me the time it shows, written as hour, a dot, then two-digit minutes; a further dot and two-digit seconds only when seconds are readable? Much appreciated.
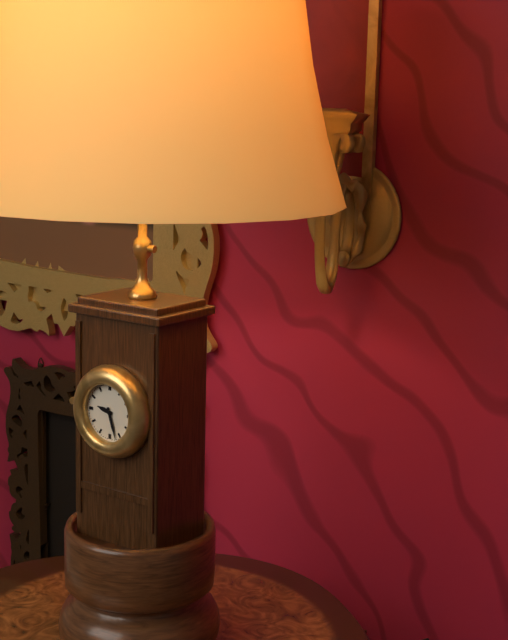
9.27
